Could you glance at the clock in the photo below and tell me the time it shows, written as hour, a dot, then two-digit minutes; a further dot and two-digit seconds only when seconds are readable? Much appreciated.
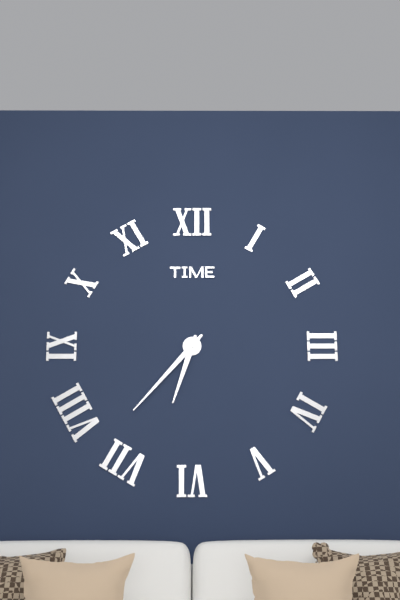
6.37
